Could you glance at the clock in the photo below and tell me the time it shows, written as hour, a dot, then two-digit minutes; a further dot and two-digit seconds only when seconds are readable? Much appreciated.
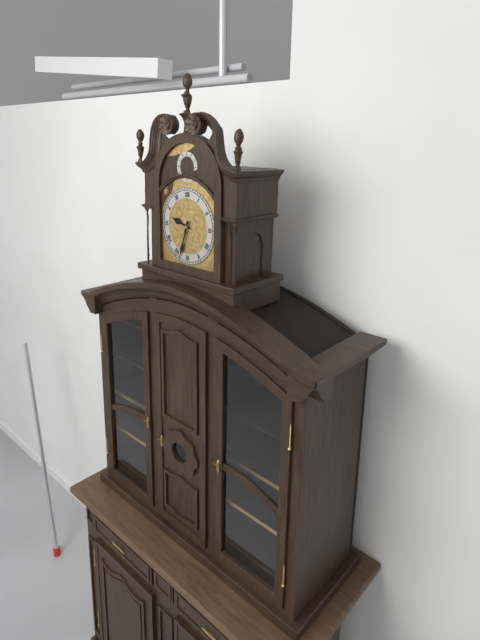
9.33
